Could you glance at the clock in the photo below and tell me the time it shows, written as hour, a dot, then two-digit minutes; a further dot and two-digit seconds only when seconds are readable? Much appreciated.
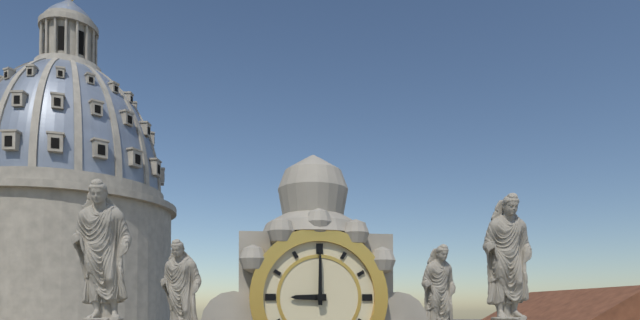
9.00
